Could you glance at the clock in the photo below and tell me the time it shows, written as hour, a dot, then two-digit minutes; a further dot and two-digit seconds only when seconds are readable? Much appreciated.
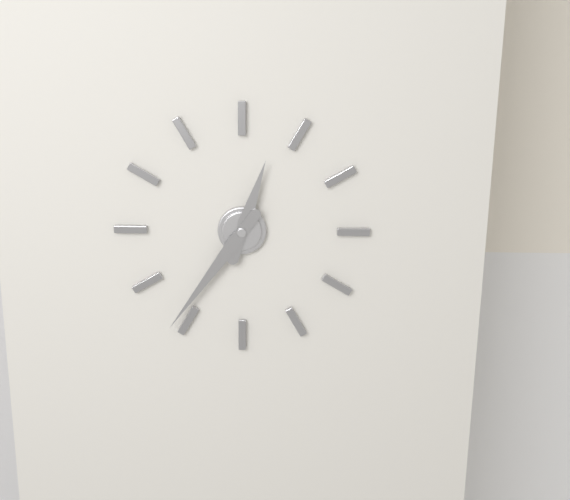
12.36
